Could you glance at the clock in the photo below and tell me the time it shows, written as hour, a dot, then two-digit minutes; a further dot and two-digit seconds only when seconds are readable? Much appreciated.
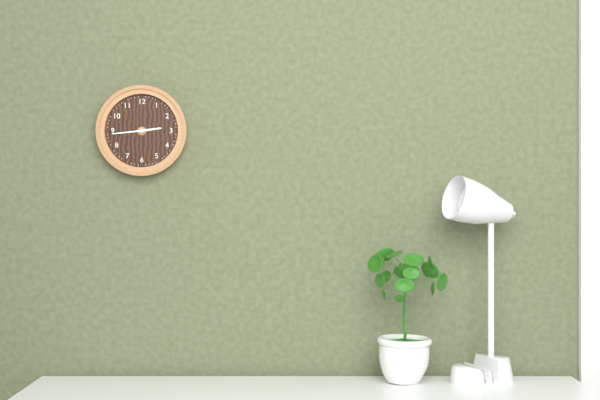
2.44
